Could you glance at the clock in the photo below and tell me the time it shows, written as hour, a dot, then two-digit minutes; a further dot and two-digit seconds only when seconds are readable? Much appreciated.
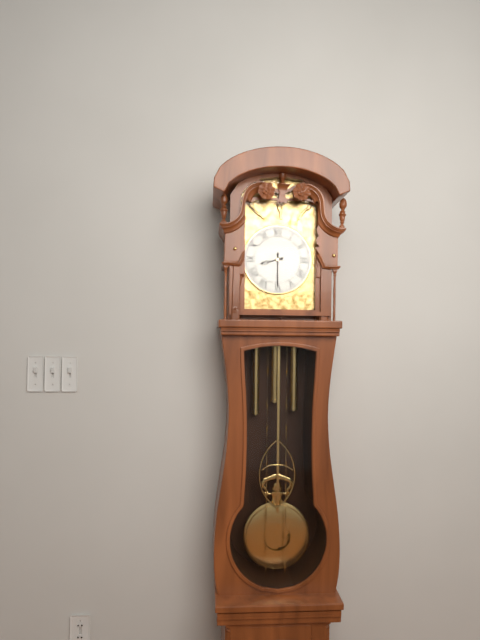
8.30
